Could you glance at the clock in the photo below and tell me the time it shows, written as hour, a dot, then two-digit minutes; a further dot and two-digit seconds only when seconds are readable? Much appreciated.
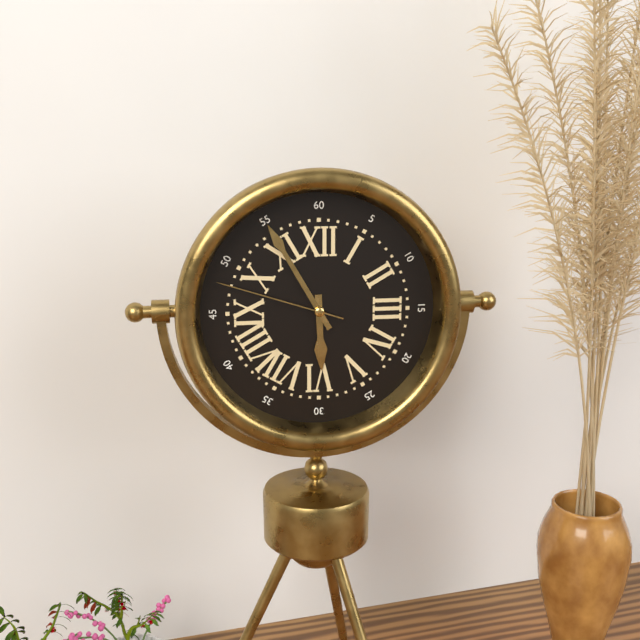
5.55.48
